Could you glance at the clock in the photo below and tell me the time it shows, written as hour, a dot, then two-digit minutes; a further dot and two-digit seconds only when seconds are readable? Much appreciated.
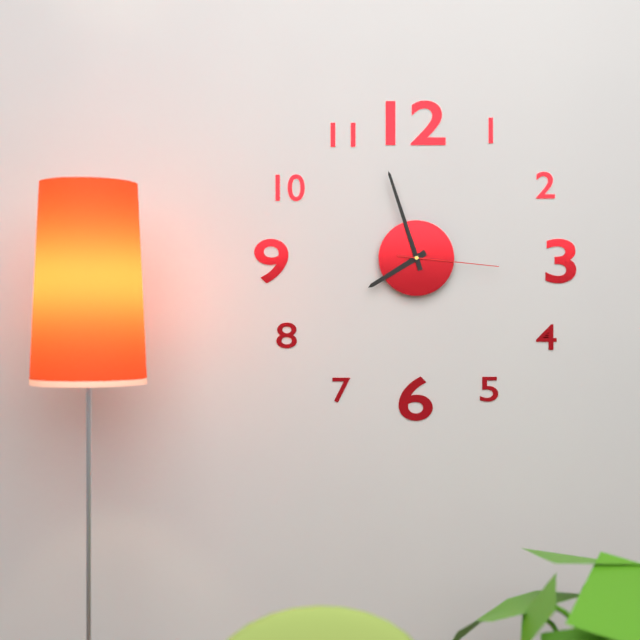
7.57.16
